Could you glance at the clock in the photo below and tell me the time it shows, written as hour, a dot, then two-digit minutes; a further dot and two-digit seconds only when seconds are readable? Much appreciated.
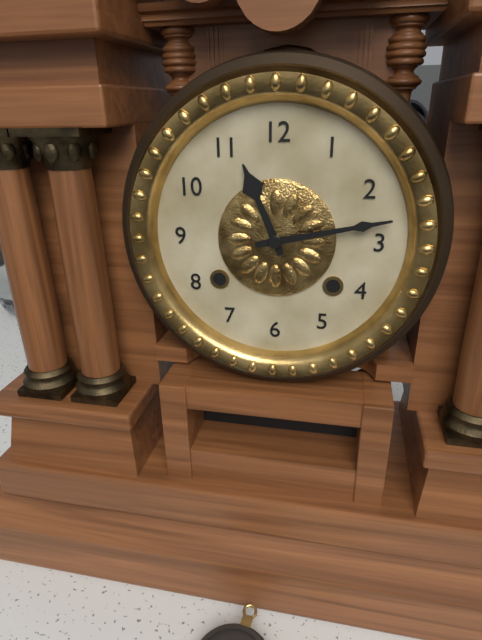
11.13
